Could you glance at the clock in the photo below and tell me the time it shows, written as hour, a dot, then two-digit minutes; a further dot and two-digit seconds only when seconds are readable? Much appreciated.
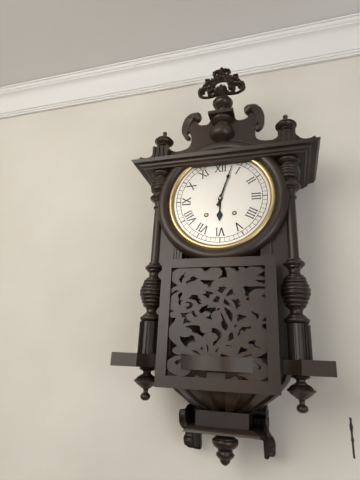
6.03
